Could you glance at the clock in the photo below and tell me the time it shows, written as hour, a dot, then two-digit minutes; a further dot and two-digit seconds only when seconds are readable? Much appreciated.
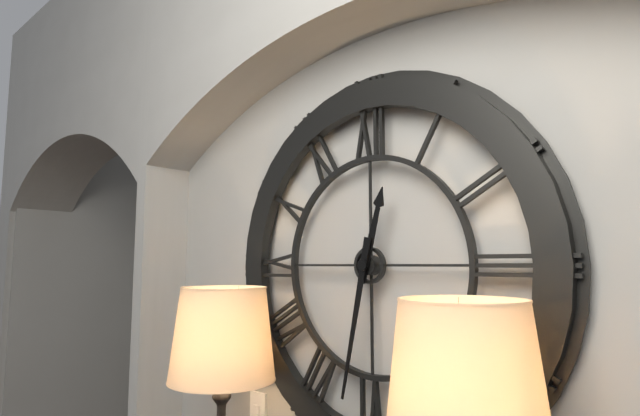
12.32
